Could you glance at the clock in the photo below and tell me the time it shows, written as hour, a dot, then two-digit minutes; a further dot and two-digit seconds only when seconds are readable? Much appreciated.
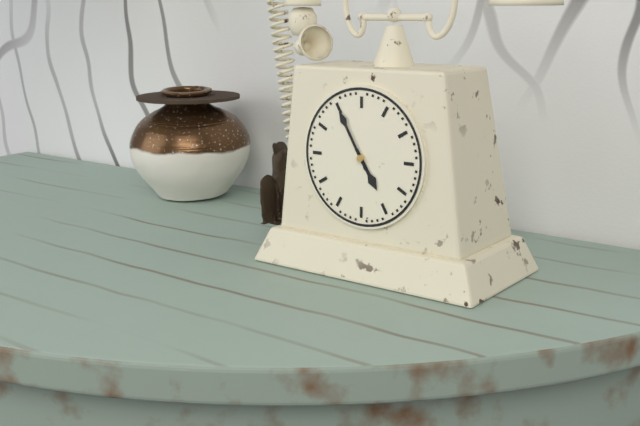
4.55
